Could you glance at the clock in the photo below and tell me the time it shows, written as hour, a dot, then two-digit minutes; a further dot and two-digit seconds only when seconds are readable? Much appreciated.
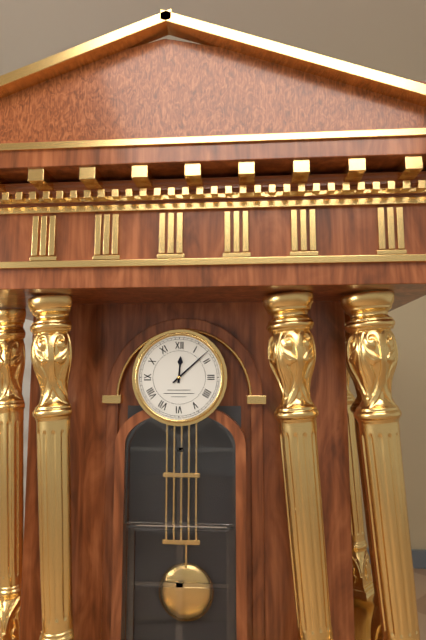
12.08
